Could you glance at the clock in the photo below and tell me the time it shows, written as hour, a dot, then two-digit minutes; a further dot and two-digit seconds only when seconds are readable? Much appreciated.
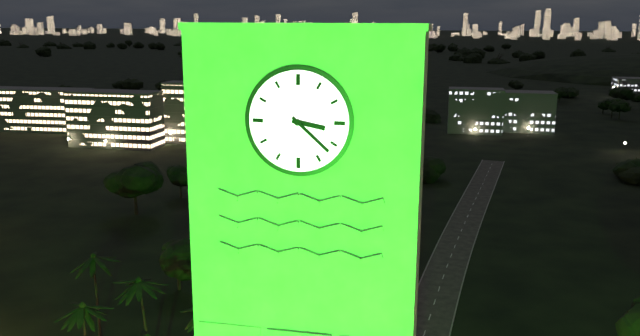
3.22
